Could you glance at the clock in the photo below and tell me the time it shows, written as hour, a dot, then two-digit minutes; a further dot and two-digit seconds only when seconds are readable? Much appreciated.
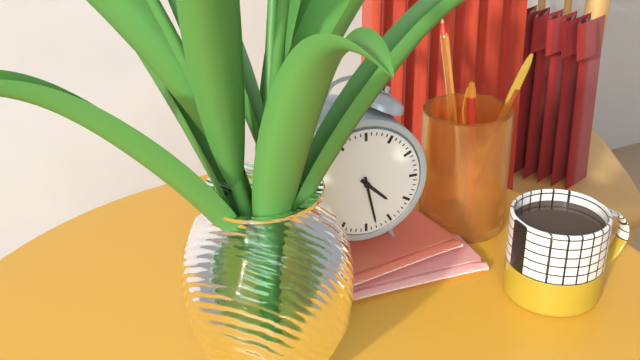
4.28
